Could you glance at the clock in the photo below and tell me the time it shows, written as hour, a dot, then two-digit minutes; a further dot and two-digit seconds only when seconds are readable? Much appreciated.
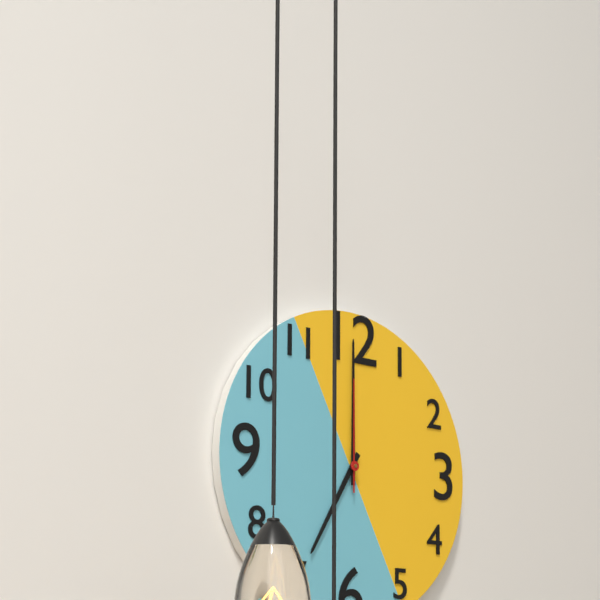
7.00.00
